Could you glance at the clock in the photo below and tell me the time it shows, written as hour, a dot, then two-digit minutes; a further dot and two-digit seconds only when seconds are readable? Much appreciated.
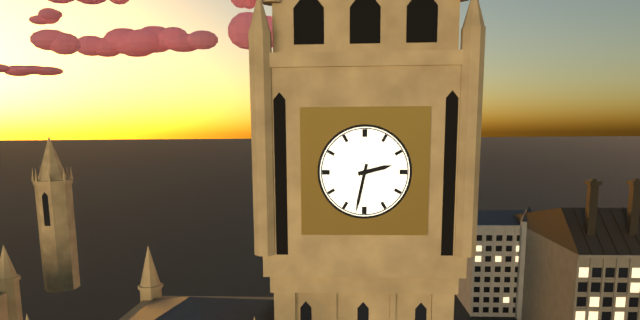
2.32
